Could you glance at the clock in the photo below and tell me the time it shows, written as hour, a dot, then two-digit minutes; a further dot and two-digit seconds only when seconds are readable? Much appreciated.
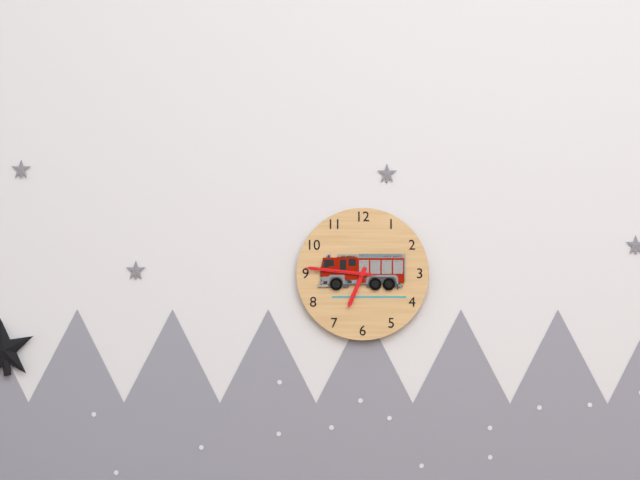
6.46.46
